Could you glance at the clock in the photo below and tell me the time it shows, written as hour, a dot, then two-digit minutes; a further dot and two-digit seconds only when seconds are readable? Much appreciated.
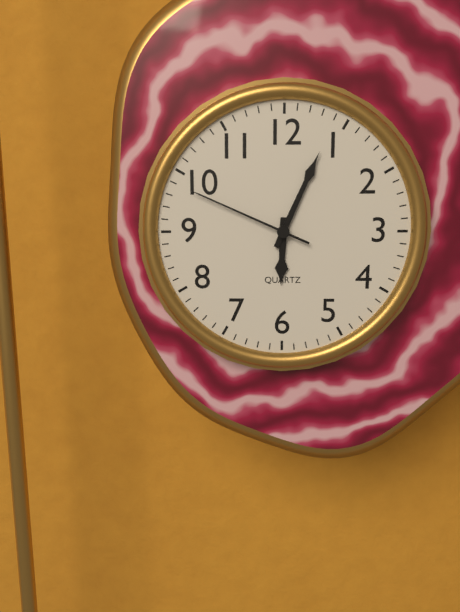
6.04.49
